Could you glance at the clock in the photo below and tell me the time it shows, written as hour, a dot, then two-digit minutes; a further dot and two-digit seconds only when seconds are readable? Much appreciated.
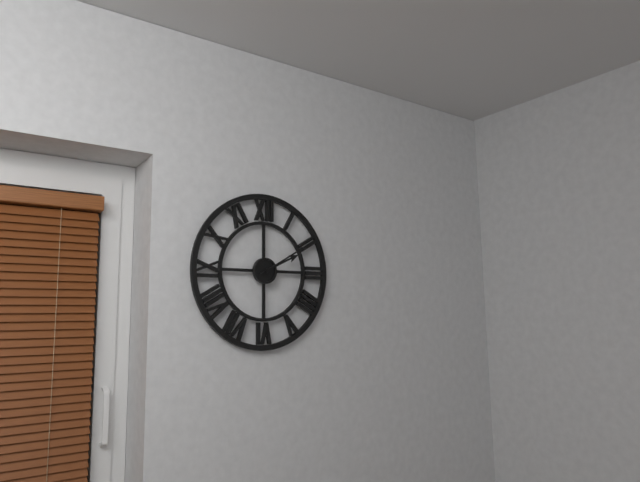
2.10
